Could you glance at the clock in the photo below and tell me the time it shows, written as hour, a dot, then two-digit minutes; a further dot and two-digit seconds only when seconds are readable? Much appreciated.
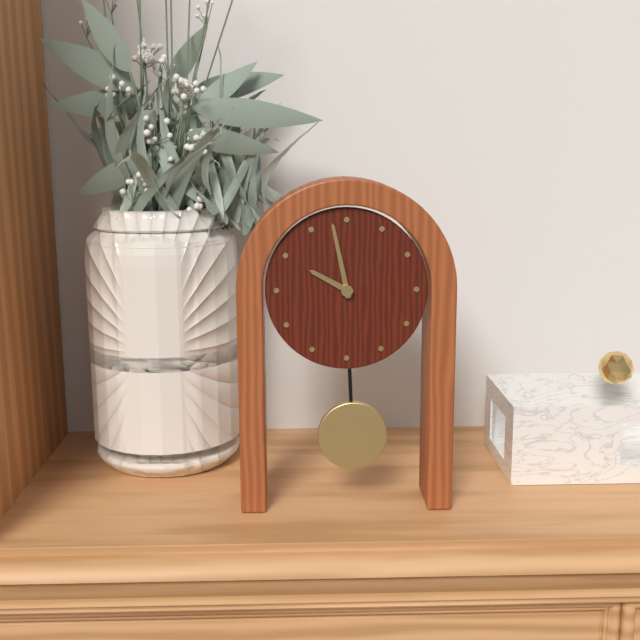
9.58
